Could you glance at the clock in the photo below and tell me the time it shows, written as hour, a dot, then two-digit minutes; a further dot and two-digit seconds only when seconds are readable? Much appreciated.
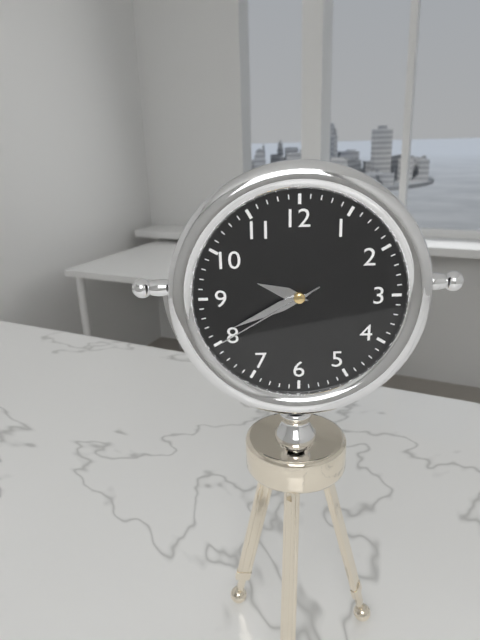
9.41.40
